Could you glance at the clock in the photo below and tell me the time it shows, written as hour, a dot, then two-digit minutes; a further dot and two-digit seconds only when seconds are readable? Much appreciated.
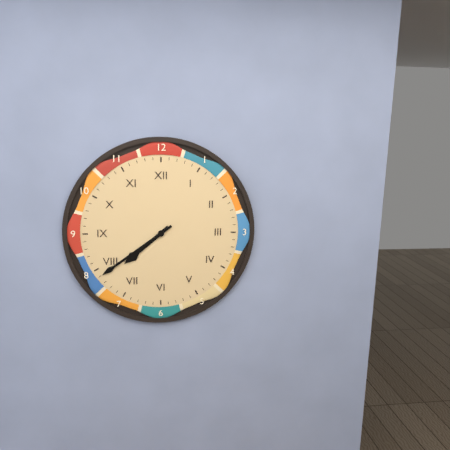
7.39
